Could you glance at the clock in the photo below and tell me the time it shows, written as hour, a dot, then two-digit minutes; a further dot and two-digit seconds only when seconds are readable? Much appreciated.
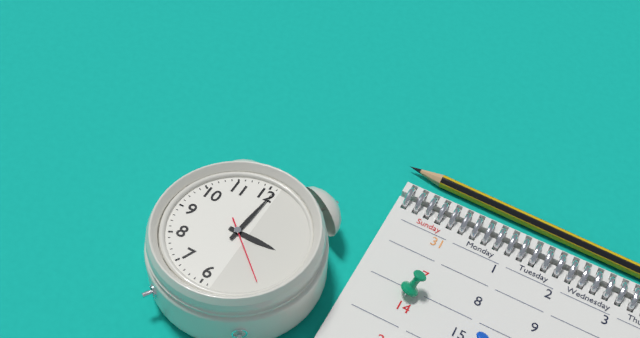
3.01.22
